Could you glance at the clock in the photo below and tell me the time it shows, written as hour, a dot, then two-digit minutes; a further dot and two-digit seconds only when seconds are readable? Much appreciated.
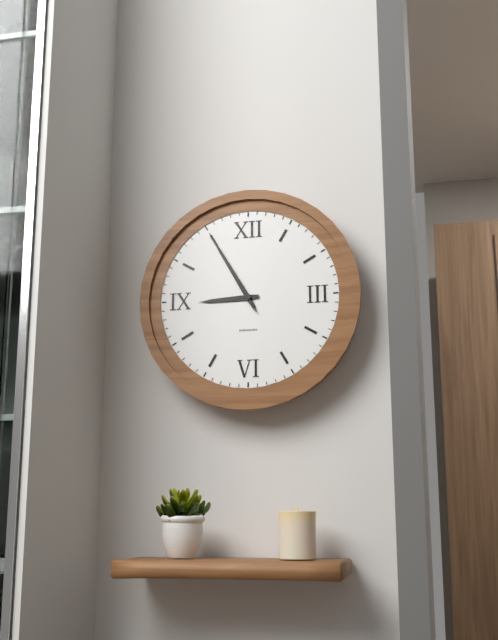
8.55.55
